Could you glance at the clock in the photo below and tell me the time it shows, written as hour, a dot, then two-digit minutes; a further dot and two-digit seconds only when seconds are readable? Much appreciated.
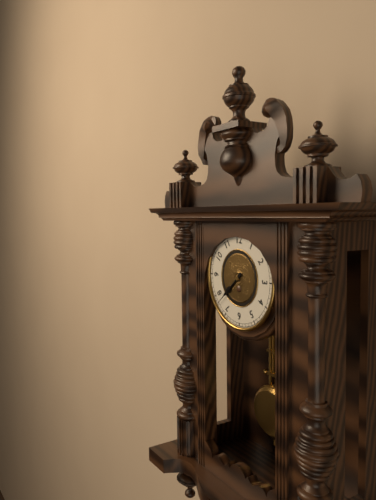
7.38
